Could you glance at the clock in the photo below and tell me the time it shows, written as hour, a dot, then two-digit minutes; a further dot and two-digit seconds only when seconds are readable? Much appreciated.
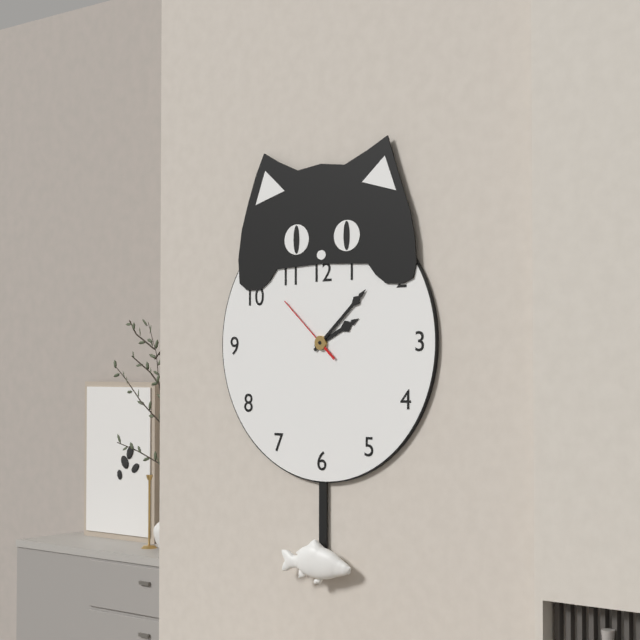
2.08.52
